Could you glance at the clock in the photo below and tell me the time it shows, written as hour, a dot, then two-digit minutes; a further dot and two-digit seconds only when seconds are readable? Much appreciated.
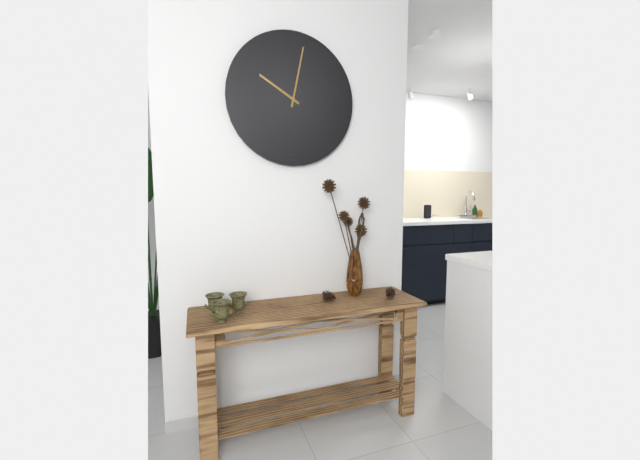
10.02
